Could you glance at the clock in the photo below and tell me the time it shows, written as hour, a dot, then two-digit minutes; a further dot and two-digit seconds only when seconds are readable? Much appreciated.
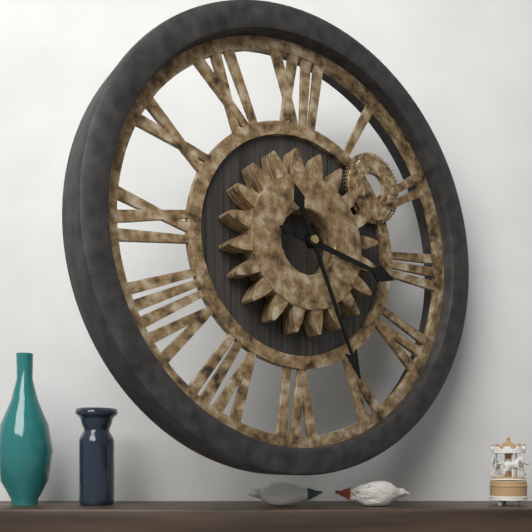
3.26
